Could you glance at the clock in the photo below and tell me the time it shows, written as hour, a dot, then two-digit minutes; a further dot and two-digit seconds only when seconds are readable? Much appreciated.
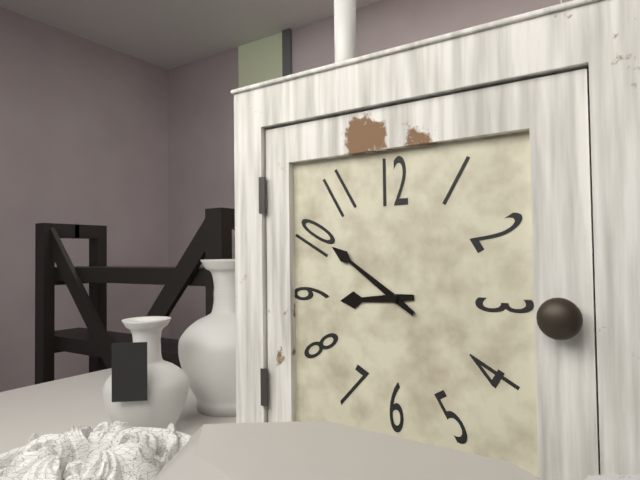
8.51
